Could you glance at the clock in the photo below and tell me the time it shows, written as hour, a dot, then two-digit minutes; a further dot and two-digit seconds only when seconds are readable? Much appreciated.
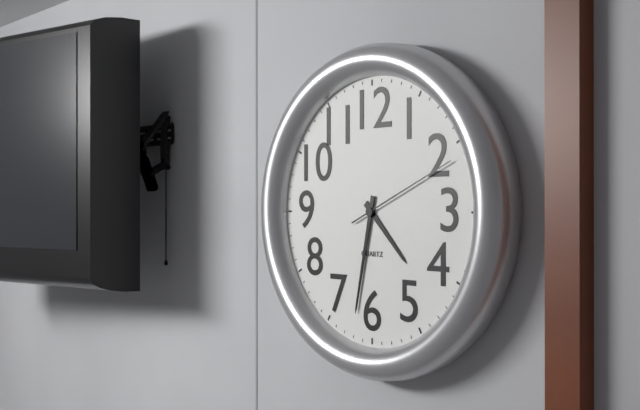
4.32.11
